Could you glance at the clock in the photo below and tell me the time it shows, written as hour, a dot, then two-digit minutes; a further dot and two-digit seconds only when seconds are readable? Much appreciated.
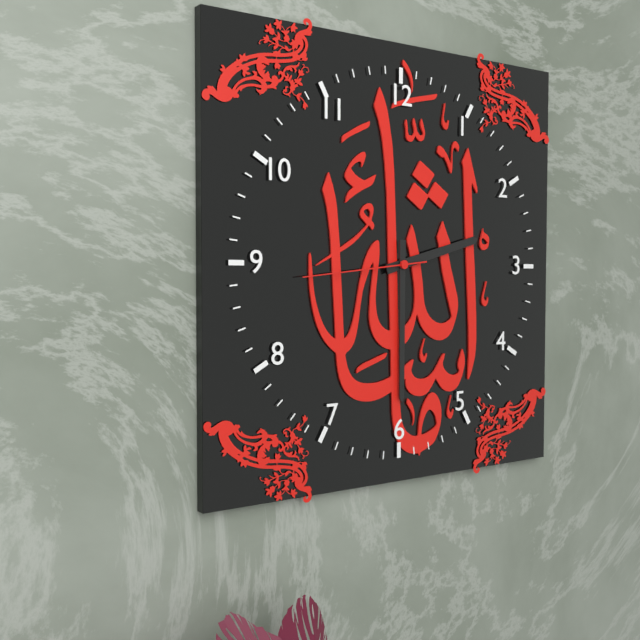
2.30.44
